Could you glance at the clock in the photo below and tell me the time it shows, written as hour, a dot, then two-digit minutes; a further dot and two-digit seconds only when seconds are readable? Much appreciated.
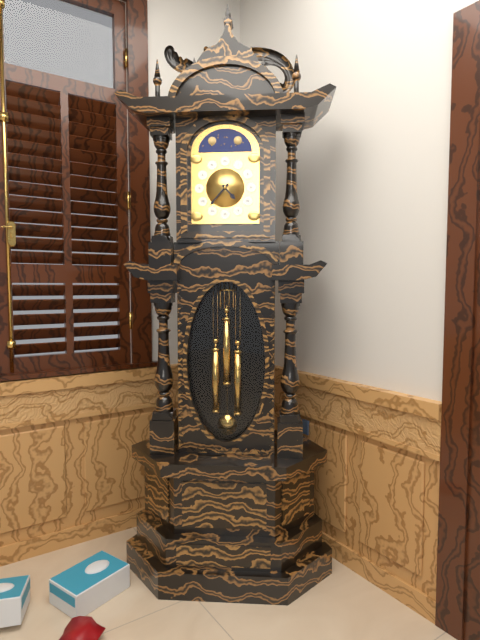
4.37
